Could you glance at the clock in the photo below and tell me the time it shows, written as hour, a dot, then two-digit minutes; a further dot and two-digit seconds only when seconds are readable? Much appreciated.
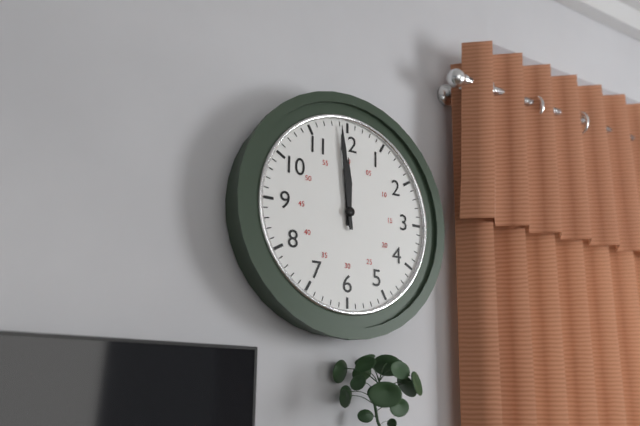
11.59
